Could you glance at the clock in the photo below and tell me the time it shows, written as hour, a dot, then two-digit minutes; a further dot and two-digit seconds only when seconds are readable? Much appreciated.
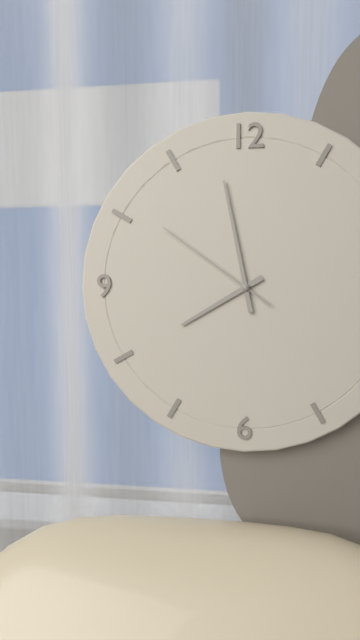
7.58.51
